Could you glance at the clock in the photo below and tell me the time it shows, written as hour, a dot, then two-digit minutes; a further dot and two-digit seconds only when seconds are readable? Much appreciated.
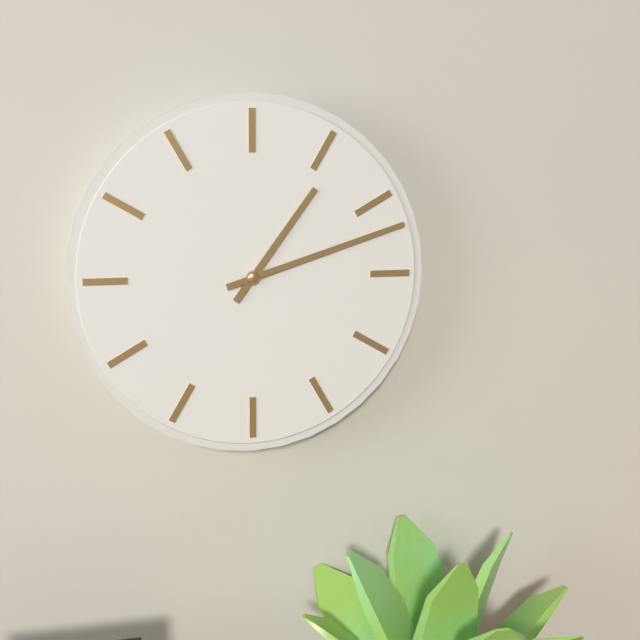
1.12
